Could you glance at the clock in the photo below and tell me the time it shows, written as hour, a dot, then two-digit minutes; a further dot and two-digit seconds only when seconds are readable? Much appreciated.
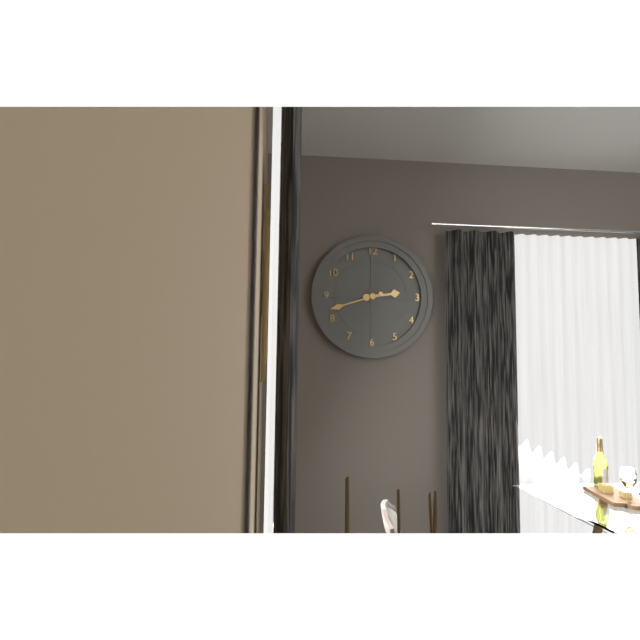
2.42
